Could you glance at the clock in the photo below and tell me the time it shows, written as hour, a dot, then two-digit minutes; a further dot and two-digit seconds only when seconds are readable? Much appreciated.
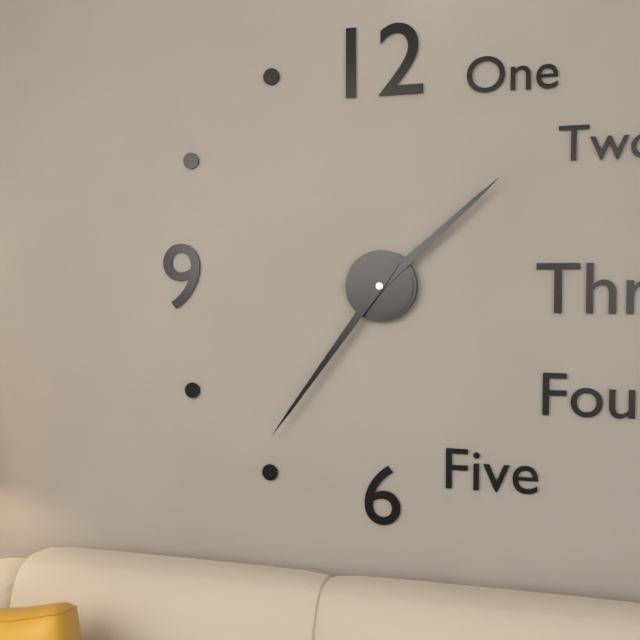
1.36
